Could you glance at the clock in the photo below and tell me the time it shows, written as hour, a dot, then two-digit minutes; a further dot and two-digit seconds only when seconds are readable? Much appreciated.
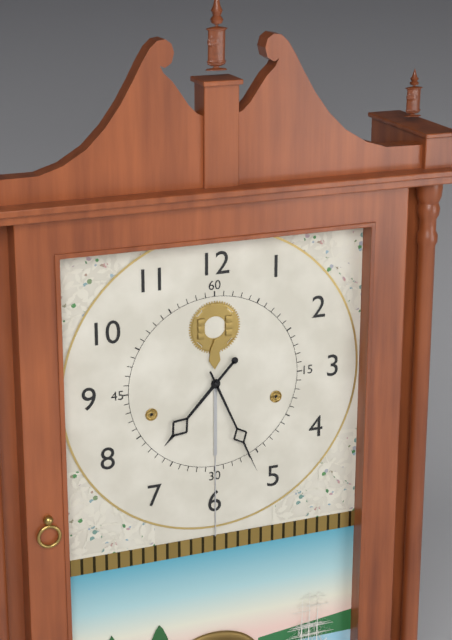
7.26
